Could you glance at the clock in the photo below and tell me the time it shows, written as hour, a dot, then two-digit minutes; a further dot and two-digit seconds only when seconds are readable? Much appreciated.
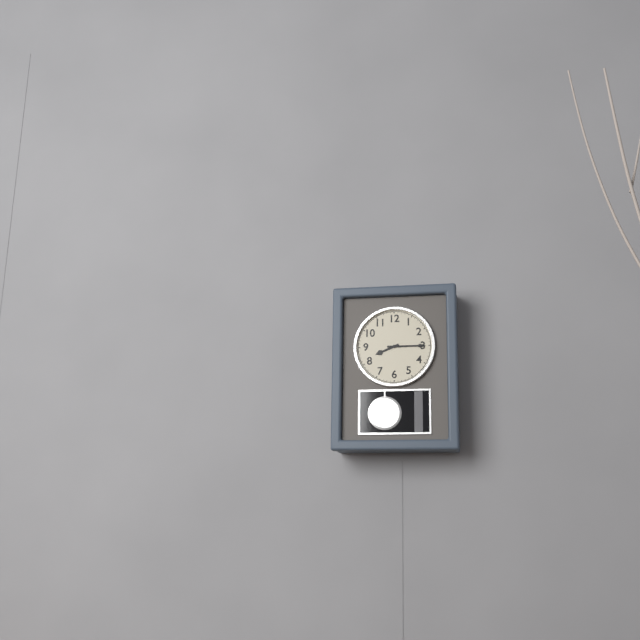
8.15
